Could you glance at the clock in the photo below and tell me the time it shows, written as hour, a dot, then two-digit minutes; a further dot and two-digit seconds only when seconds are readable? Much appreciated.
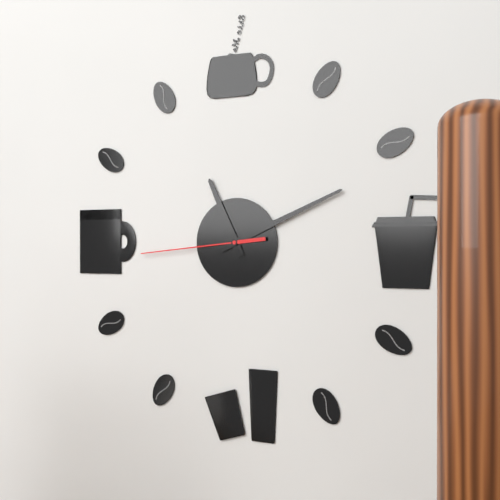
11.11.44
